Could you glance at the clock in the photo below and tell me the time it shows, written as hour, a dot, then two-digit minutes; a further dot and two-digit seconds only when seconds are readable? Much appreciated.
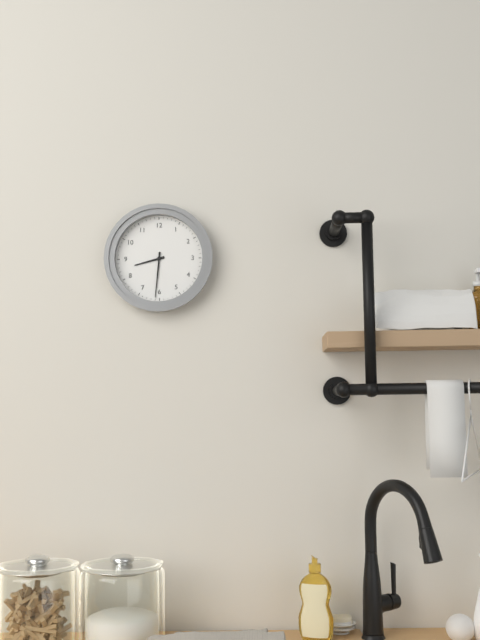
8.31
